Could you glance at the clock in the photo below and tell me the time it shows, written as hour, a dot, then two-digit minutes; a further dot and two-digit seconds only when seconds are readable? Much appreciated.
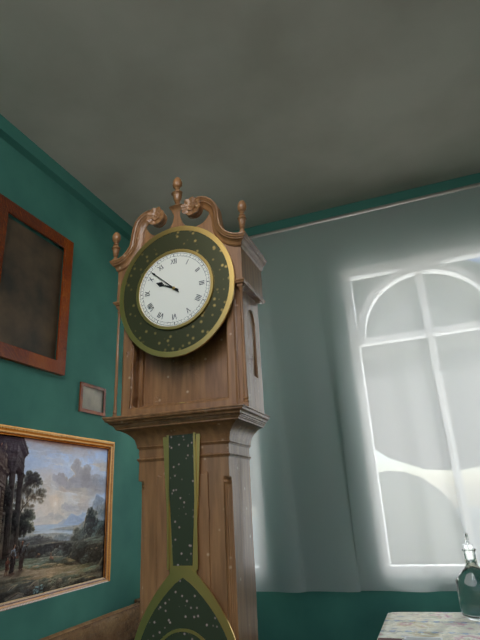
9.52
